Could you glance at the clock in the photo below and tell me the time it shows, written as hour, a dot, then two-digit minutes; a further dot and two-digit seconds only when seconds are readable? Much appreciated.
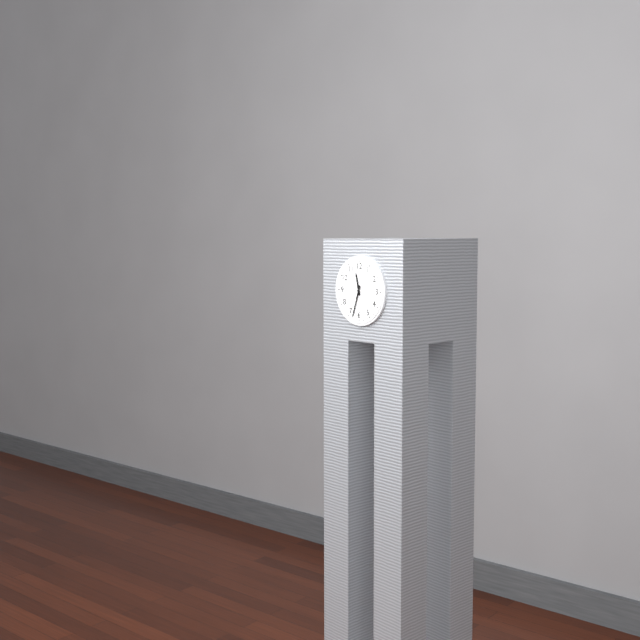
11.33
